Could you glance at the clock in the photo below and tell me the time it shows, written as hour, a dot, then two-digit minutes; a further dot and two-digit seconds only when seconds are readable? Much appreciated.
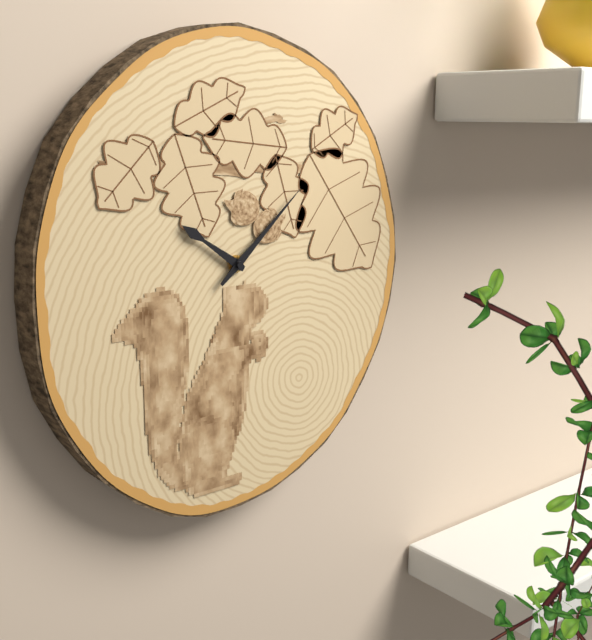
10.08
